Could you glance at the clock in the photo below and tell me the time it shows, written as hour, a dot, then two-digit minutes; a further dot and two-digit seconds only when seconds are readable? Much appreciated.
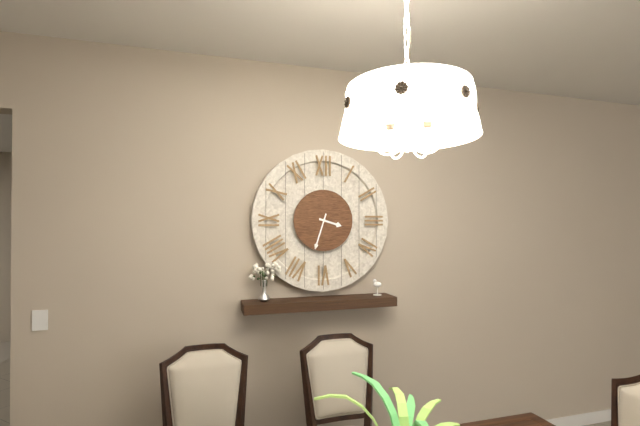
3.33
